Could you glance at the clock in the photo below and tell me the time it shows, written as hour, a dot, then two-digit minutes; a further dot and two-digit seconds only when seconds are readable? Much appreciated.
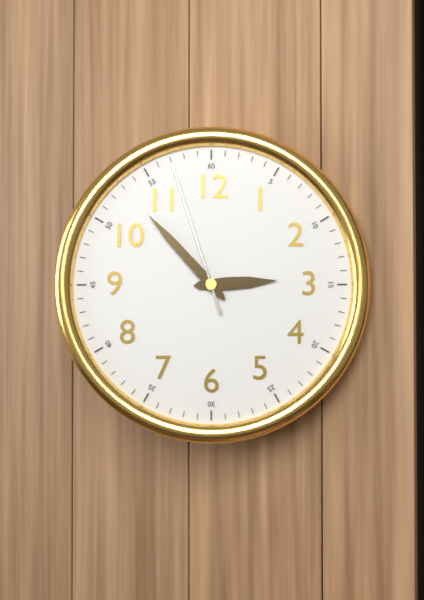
2.53.57
